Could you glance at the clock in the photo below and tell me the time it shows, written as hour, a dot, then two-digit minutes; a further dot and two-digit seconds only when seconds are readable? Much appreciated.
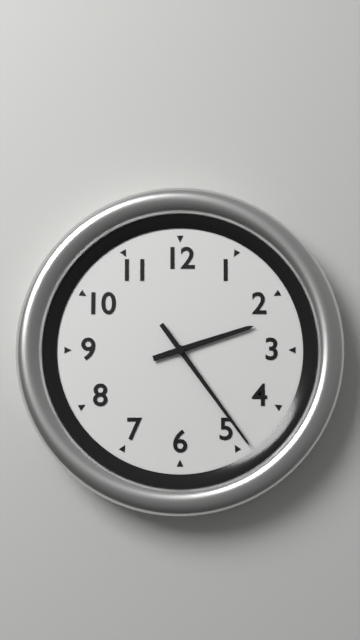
2.24
